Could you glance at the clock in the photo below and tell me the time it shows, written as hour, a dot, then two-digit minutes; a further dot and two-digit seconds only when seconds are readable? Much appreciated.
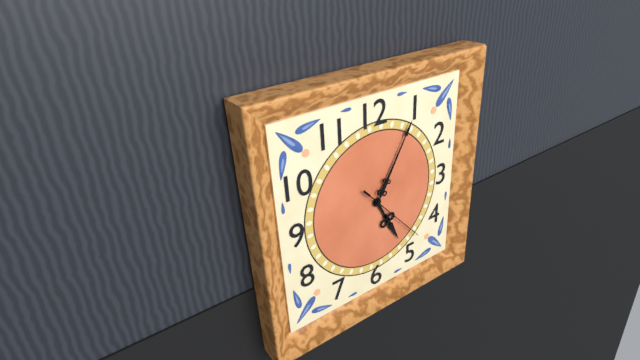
5.05.23
